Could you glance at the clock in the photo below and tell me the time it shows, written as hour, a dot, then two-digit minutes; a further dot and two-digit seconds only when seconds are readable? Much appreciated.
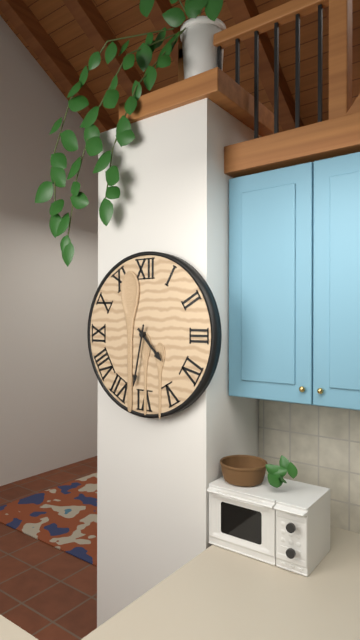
4.32
